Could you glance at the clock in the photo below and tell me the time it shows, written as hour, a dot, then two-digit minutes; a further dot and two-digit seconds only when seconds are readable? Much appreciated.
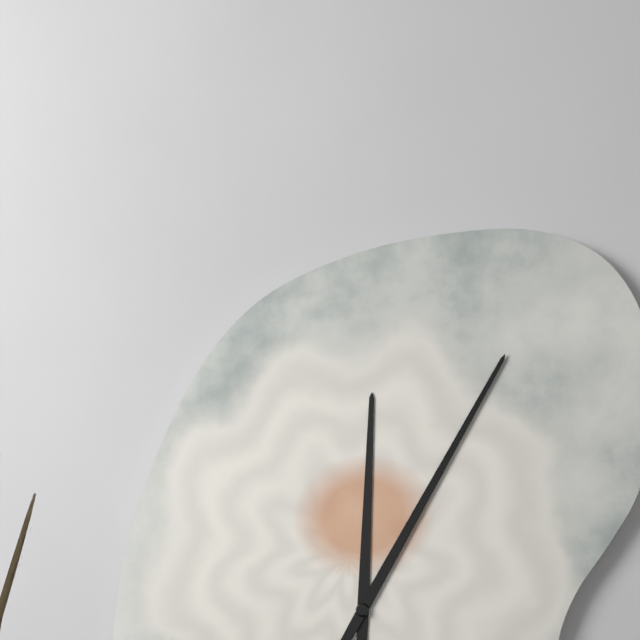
12.05
